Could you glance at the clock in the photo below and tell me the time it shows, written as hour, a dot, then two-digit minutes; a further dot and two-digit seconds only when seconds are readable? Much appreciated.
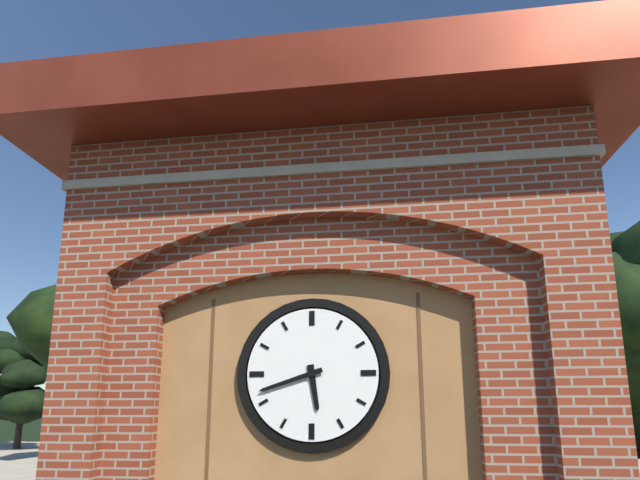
5.42
